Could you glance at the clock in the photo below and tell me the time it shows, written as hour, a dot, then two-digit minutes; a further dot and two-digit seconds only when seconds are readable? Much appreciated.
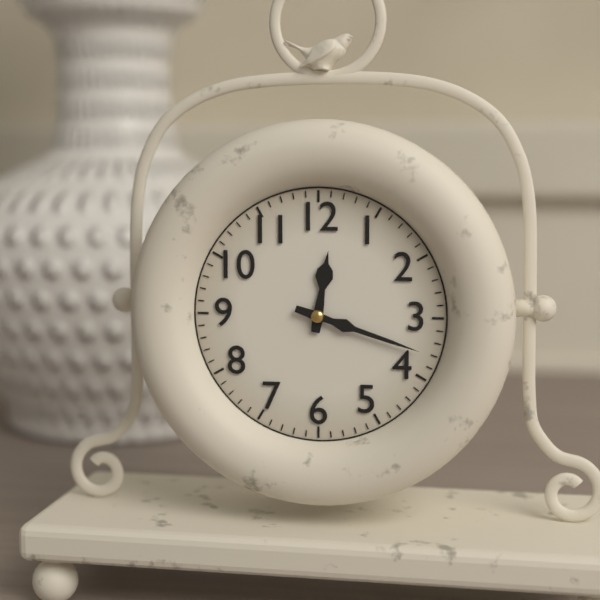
12.18
